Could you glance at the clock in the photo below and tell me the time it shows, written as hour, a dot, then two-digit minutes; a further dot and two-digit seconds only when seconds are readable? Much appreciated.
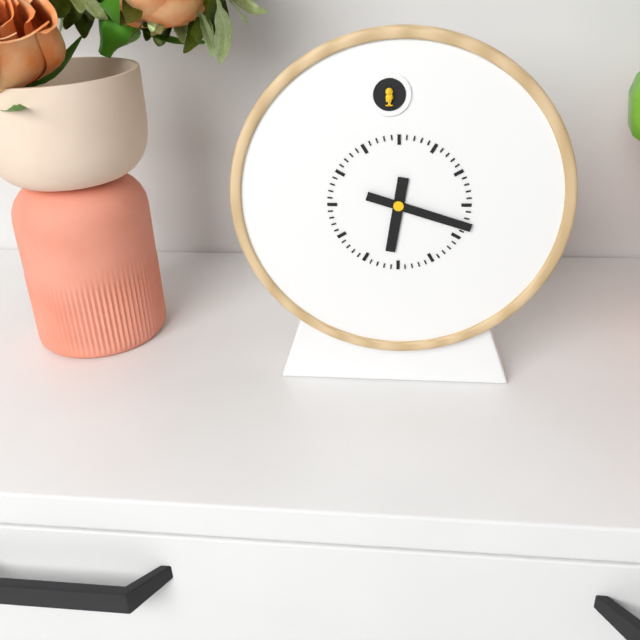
6.18
